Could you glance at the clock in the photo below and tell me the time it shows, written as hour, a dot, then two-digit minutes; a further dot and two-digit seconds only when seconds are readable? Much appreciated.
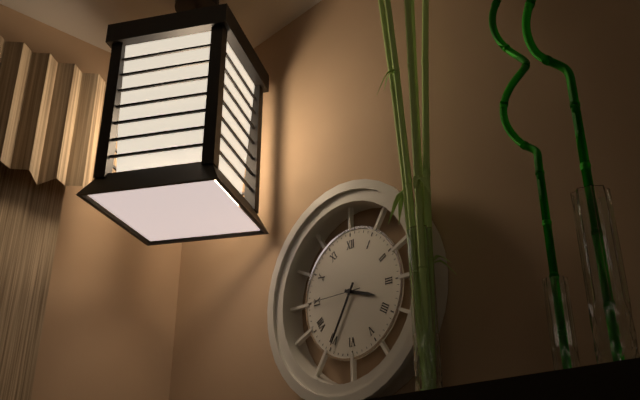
3.35.45
